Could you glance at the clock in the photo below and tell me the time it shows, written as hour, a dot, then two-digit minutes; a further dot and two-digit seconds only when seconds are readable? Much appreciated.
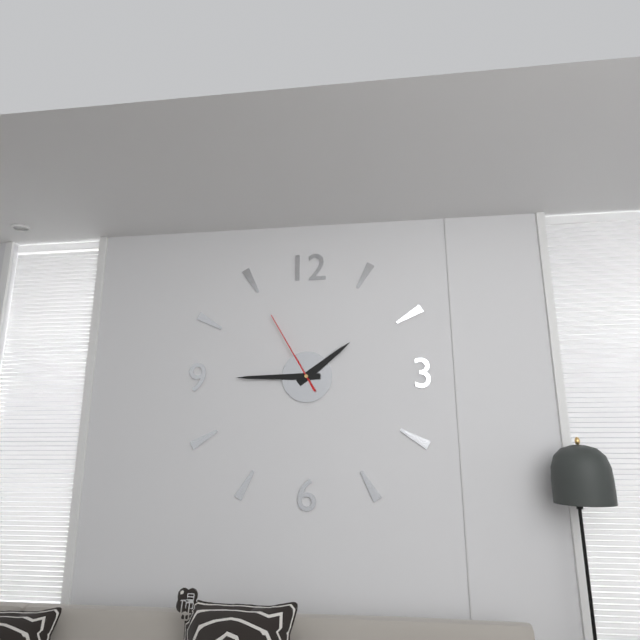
1.45.55
